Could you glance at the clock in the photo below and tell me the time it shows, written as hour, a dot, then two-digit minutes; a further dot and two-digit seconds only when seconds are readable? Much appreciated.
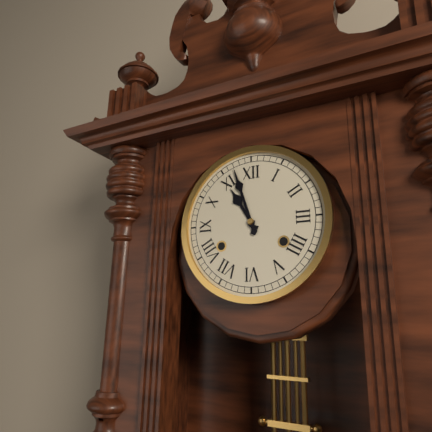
10.57
